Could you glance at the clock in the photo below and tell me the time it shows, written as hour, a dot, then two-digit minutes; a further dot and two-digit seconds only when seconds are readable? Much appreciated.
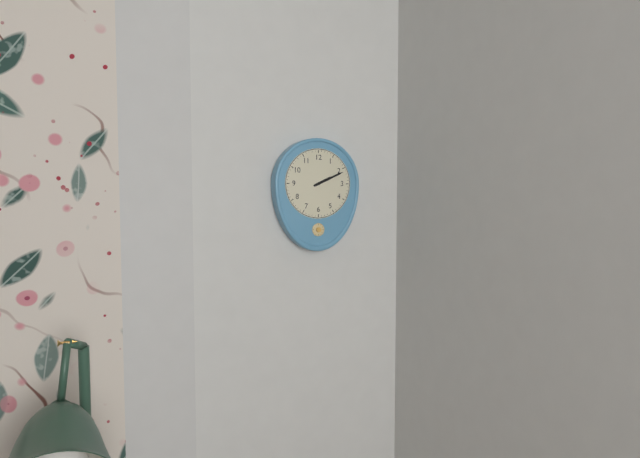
2.11
